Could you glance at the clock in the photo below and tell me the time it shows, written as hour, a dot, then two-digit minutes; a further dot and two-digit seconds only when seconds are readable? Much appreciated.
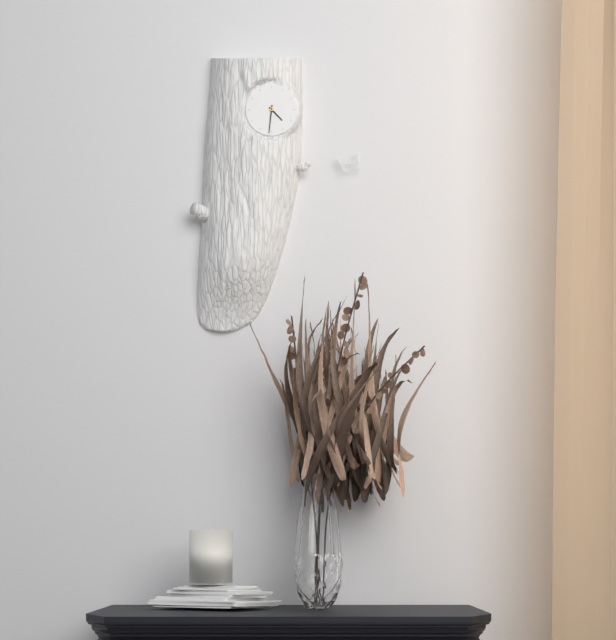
4.31
